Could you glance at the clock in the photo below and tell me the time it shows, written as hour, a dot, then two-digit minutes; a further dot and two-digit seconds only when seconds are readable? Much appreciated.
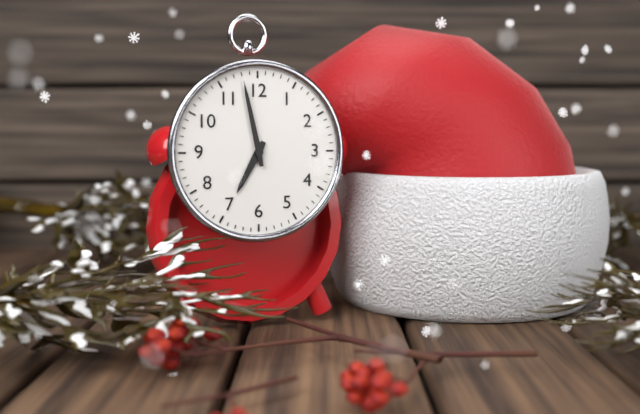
6.58
